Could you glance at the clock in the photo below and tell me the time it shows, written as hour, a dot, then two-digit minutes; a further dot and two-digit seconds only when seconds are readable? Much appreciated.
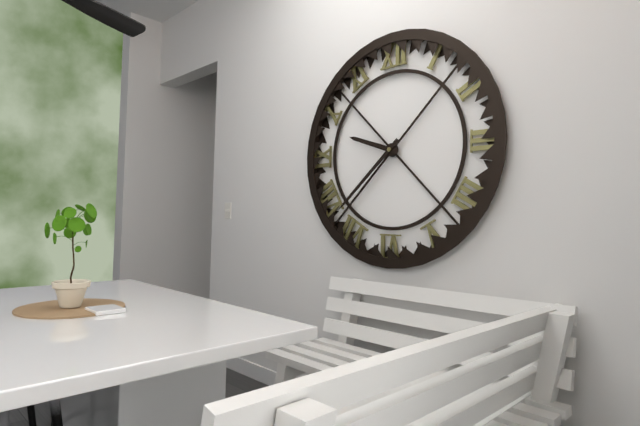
9.38
